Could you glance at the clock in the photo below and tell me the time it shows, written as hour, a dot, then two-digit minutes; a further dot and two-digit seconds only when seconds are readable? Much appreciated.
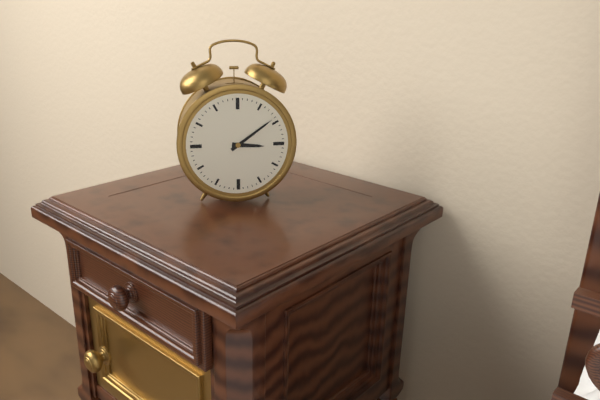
3.09
